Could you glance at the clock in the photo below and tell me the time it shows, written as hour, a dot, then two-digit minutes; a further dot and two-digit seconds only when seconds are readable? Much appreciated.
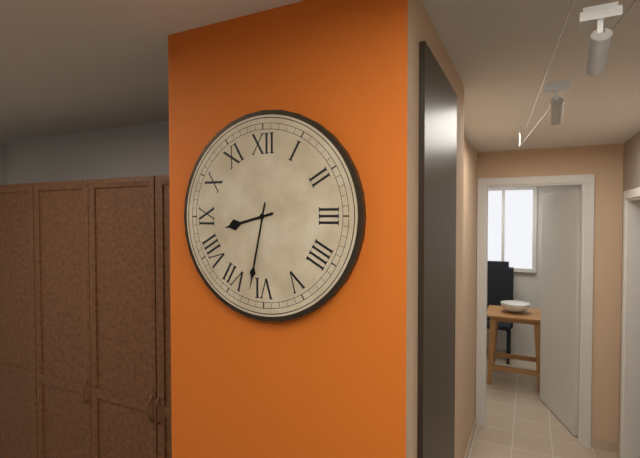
8.32
